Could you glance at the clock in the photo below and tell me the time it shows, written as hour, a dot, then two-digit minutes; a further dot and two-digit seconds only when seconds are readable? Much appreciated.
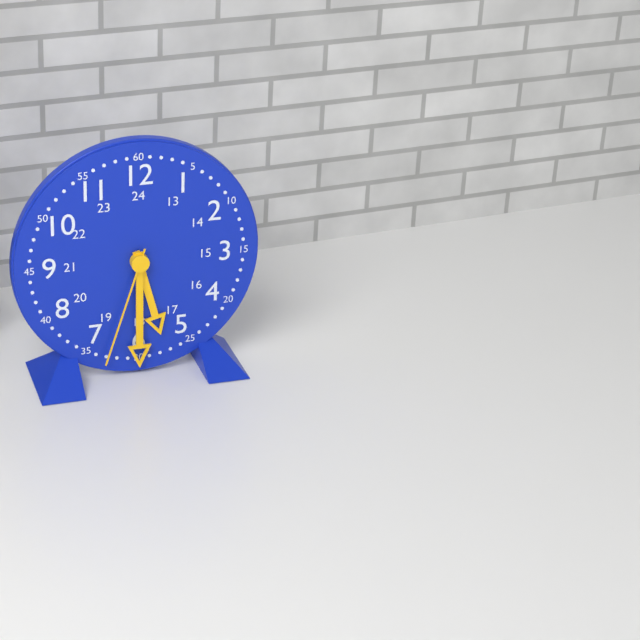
5.30.33
